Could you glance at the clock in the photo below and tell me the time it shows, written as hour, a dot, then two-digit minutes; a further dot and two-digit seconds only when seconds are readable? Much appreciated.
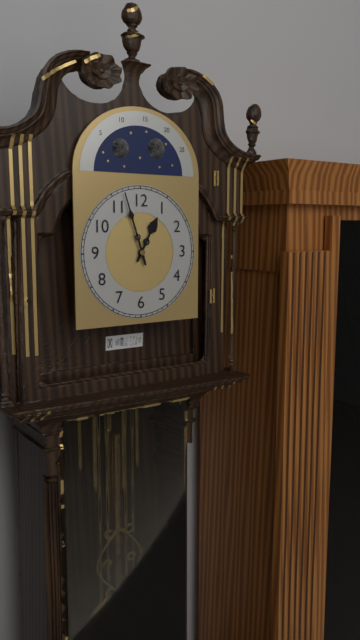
12.57
